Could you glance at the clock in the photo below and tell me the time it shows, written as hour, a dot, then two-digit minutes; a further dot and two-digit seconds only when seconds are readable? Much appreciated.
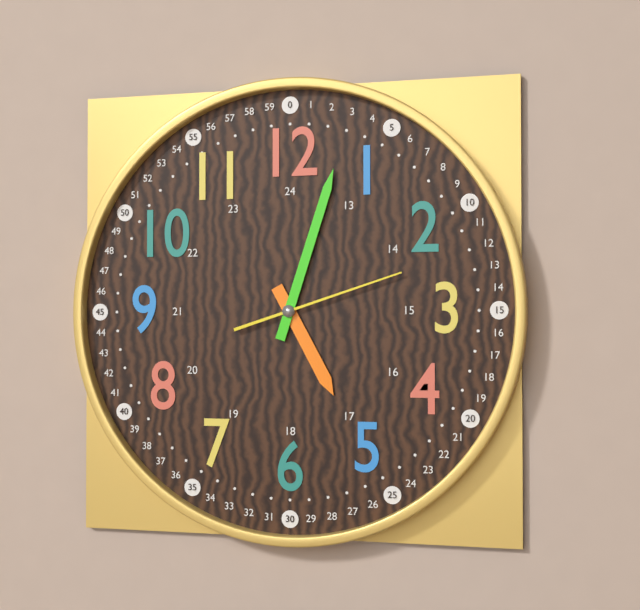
5.03.12
